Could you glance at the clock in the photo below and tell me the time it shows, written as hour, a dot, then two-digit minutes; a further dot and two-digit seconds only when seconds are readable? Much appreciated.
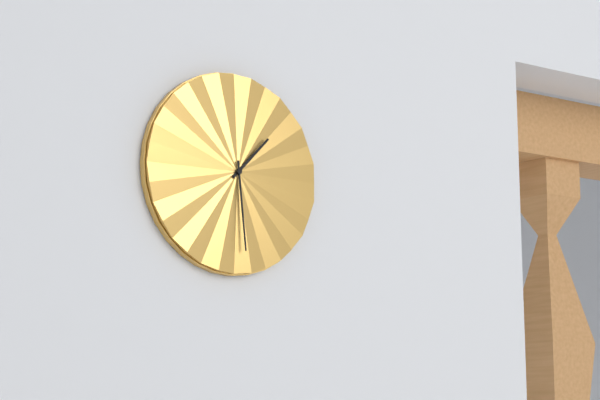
1.29
